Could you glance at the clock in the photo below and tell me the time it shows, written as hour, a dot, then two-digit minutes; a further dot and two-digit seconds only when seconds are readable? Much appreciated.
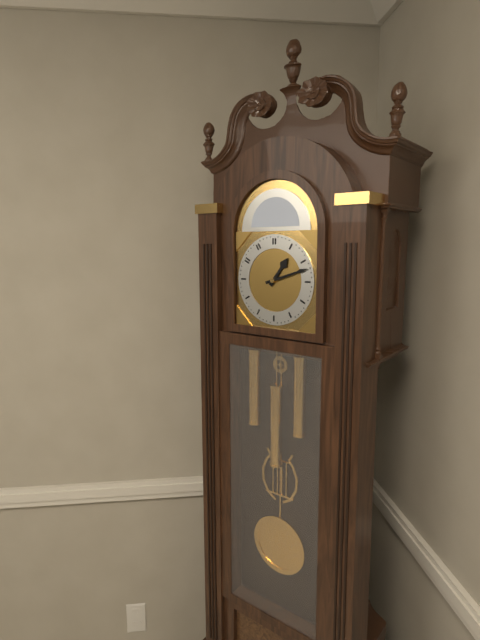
1.12
